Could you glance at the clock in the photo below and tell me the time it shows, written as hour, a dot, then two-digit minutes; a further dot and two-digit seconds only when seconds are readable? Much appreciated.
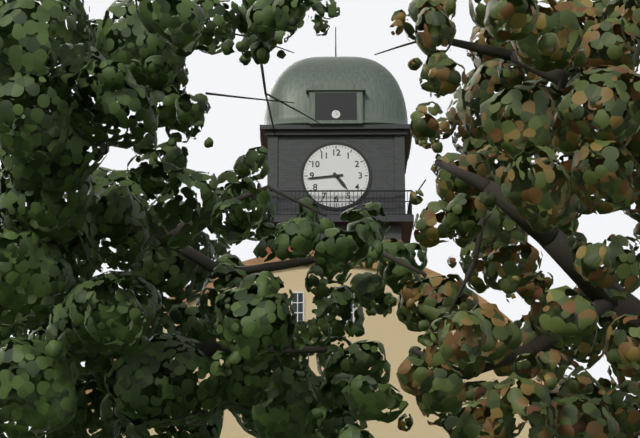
4.44
